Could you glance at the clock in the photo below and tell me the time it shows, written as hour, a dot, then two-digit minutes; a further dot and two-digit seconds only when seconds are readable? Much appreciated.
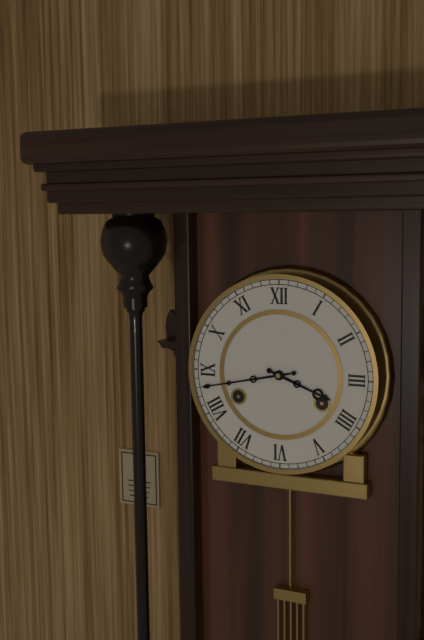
3.43
